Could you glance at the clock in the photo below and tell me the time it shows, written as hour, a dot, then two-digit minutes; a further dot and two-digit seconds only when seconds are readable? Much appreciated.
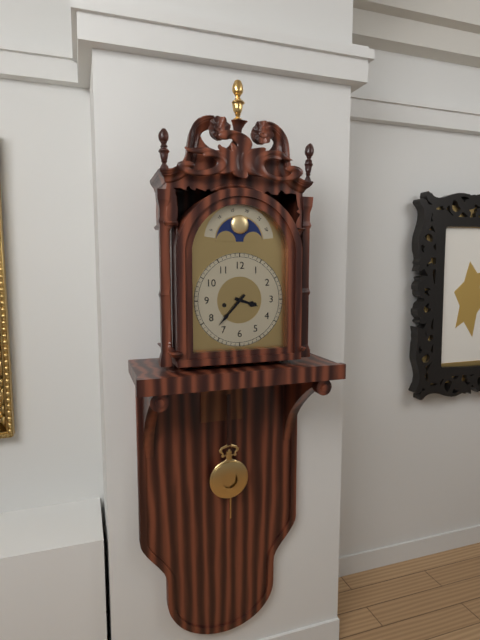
3.37
